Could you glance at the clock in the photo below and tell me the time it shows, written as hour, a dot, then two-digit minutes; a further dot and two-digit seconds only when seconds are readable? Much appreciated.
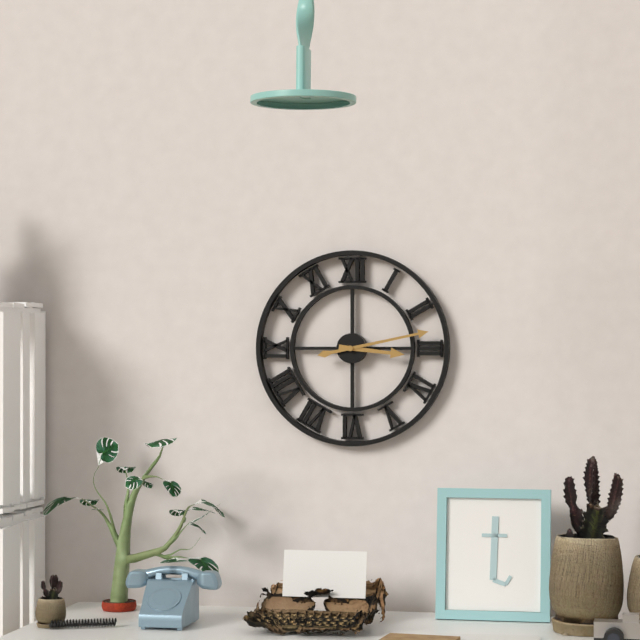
3.13
